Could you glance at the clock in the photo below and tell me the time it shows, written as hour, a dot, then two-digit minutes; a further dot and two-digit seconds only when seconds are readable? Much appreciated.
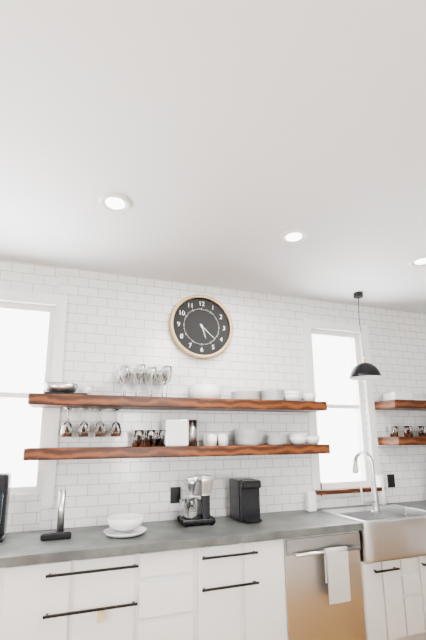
5.22
